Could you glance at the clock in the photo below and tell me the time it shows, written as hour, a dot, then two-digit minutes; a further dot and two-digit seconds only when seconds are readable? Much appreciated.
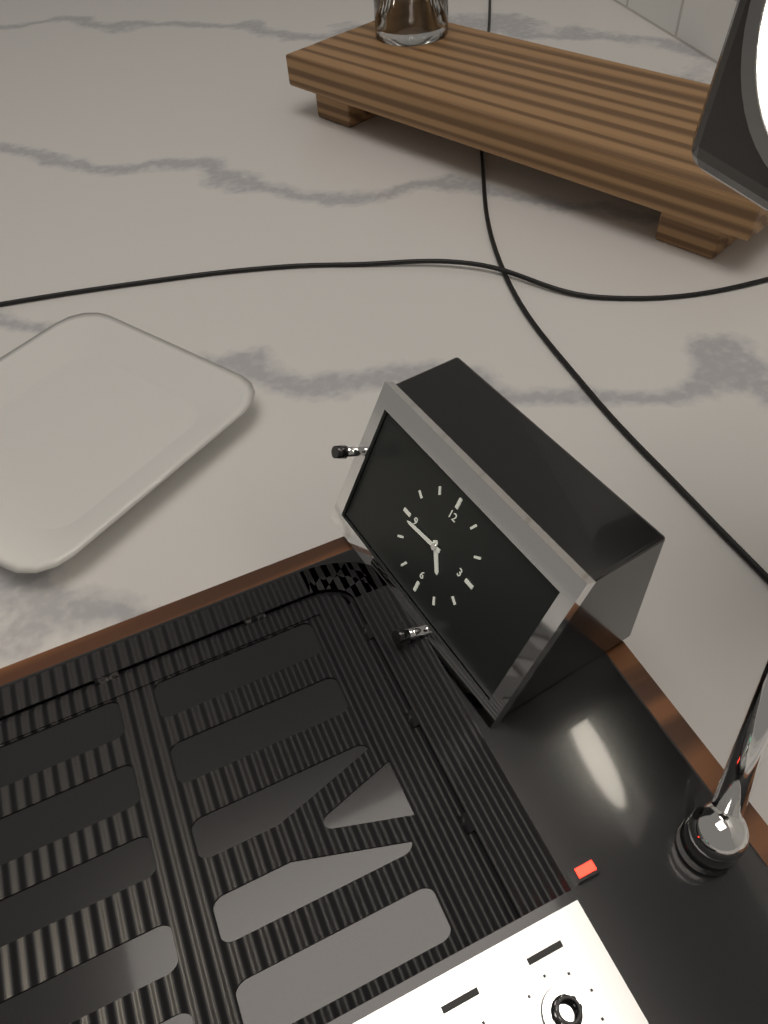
4.44
